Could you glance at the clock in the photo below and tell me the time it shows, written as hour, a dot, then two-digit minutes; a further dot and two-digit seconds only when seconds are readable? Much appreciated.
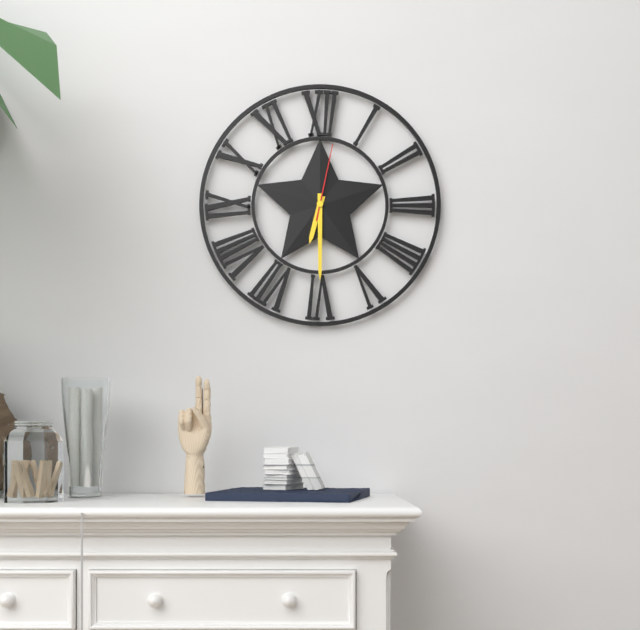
6.30.02
